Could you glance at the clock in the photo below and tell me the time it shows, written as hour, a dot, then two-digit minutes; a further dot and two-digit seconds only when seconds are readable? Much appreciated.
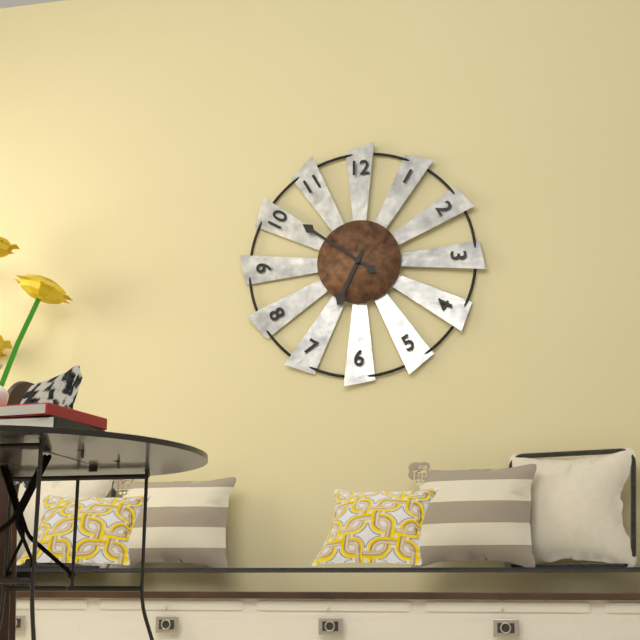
6.51
